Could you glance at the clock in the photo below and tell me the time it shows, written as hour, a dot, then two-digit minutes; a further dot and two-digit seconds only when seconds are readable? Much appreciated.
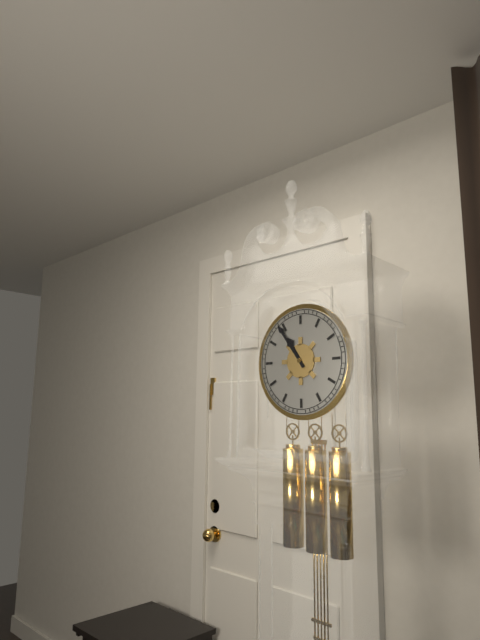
10.54
